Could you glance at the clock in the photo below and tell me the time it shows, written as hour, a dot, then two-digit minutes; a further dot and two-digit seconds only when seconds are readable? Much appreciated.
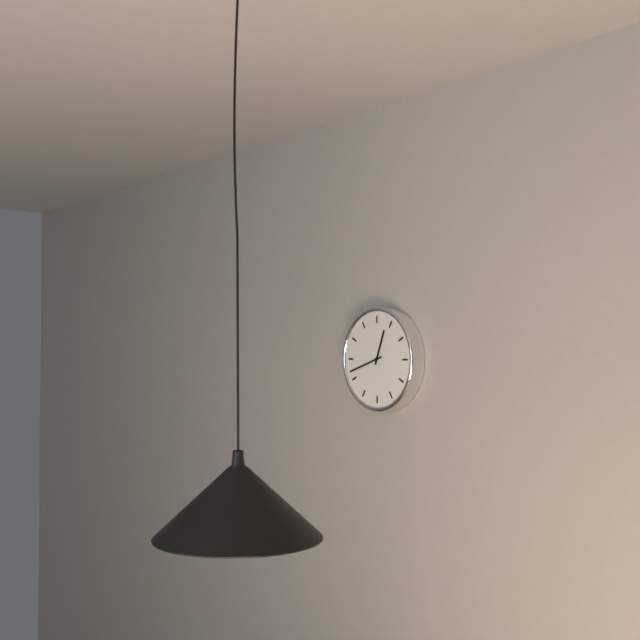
12.42
